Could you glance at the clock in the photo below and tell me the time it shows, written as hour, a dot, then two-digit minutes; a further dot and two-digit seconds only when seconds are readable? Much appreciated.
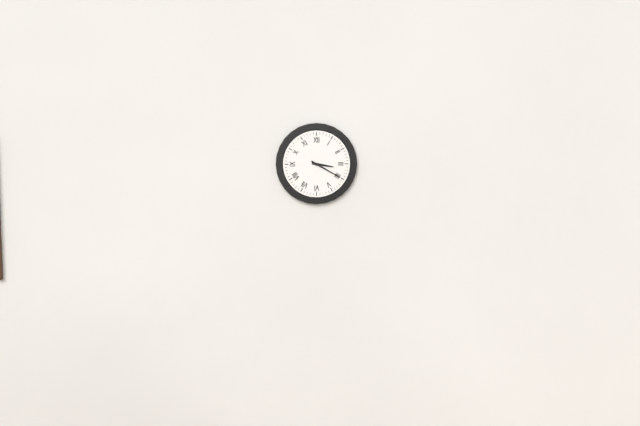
3.20
